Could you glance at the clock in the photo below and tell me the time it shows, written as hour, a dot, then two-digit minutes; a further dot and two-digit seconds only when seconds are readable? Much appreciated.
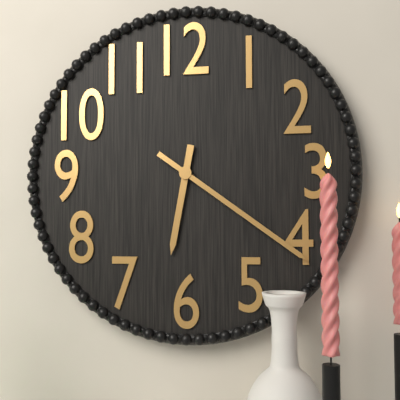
6.21
